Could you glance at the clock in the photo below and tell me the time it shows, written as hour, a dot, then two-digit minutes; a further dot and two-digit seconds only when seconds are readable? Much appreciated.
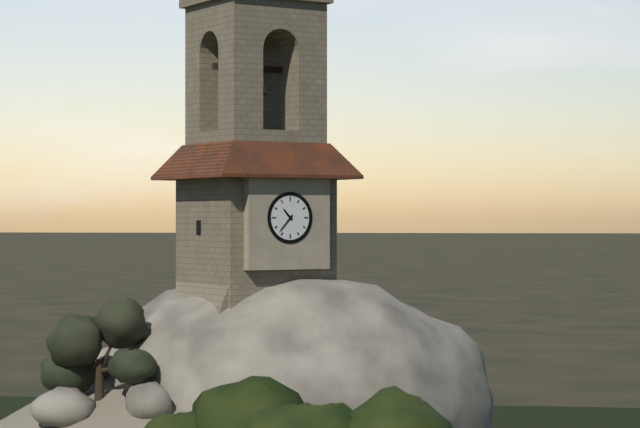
10.37
